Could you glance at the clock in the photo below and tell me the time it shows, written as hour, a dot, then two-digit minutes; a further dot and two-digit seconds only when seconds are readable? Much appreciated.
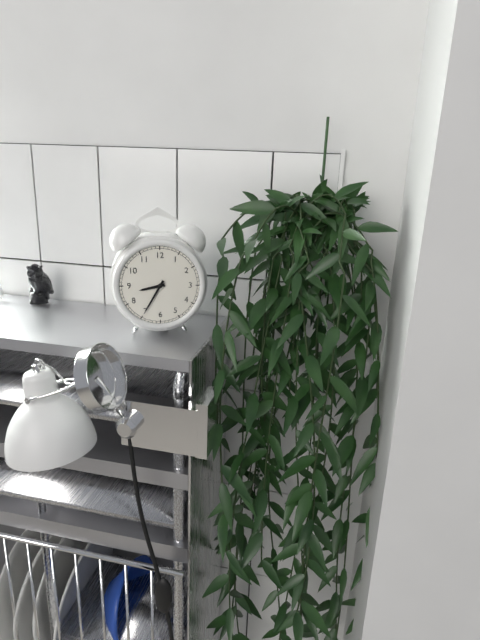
8.35
